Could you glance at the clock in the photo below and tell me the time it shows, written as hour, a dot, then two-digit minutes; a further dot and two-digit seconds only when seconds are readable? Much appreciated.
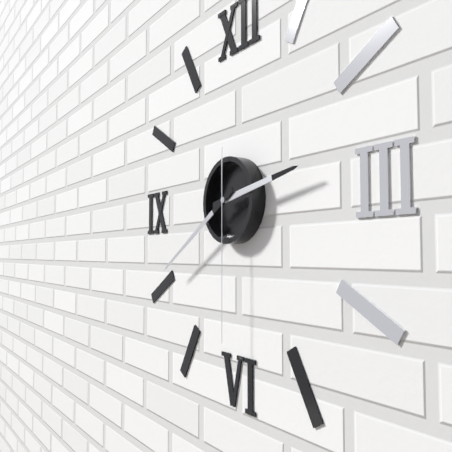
2.40.30
